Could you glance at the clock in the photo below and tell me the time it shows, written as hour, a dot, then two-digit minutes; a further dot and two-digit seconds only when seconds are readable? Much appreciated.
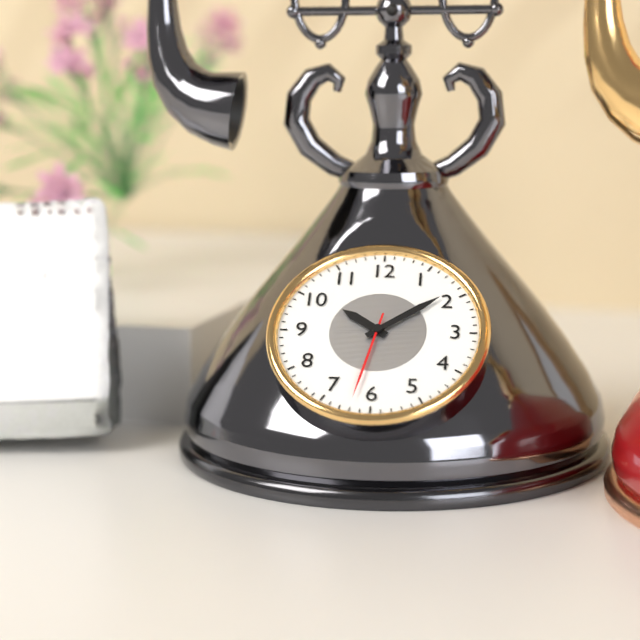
10.09.32
